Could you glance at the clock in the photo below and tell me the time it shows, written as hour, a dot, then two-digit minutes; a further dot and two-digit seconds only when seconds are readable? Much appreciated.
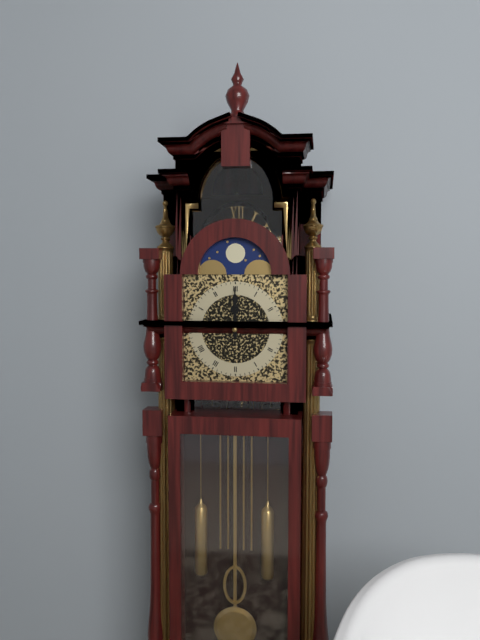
12.00
